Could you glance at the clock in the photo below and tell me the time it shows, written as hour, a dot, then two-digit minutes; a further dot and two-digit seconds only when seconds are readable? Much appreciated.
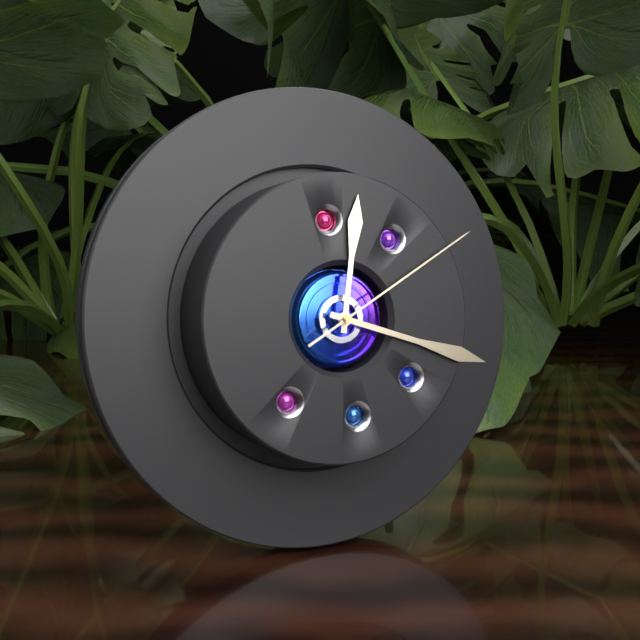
12.18.10
